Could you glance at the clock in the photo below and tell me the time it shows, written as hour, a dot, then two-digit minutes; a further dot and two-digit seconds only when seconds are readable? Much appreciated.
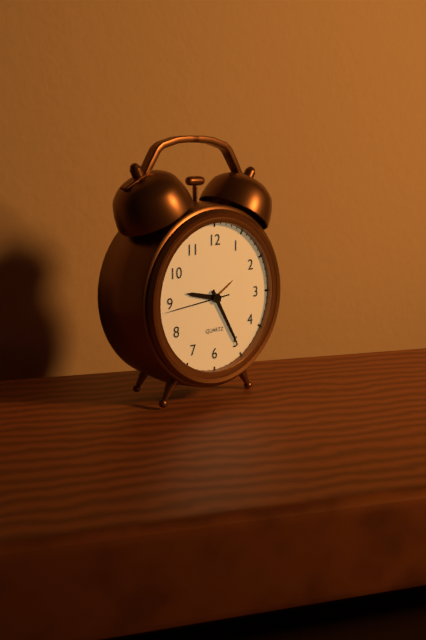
9.25.44
